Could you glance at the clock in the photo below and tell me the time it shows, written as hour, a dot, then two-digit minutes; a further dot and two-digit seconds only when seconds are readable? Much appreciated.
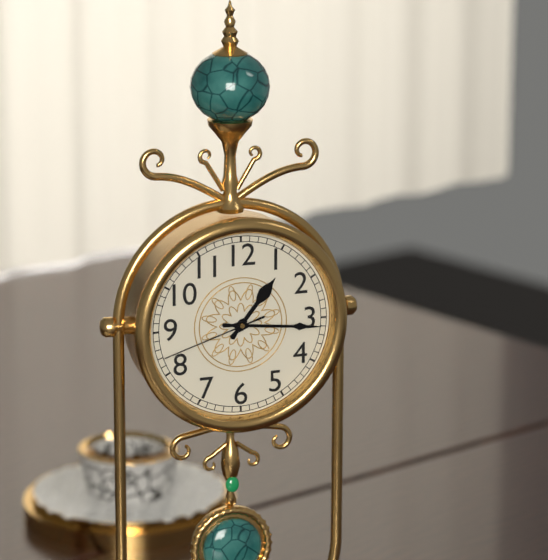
1.16.42
